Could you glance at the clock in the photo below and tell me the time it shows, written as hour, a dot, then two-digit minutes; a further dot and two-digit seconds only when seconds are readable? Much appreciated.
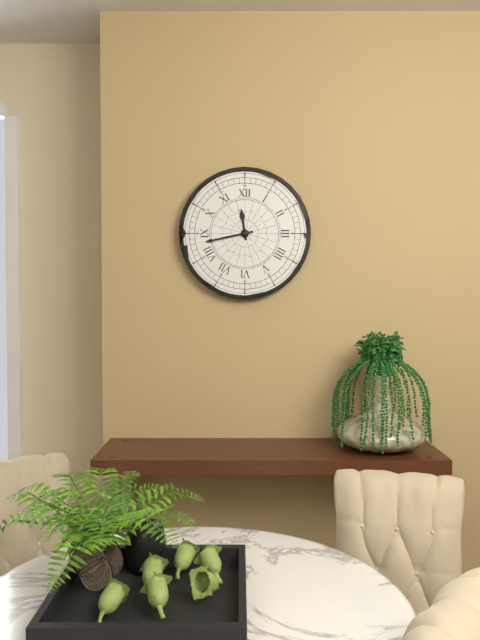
11.43
